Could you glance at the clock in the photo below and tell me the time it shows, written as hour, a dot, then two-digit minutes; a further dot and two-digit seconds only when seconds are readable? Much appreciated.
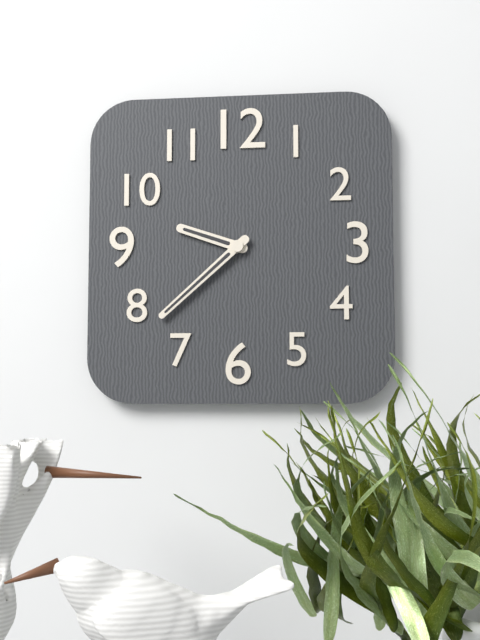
9.38
